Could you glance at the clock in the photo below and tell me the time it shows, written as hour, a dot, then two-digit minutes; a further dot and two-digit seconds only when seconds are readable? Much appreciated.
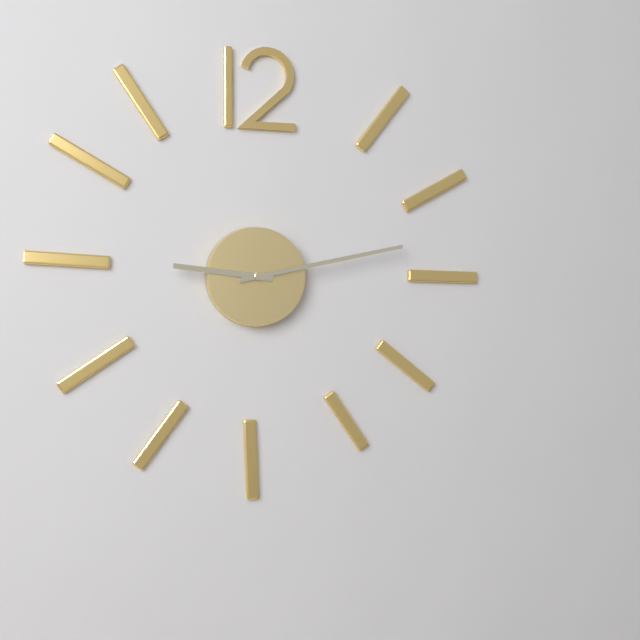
9.13
